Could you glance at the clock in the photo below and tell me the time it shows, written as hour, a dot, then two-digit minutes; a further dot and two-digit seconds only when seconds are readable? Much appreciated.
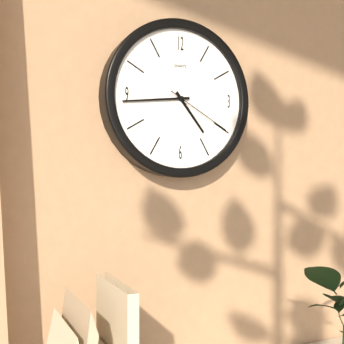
4.44.20
